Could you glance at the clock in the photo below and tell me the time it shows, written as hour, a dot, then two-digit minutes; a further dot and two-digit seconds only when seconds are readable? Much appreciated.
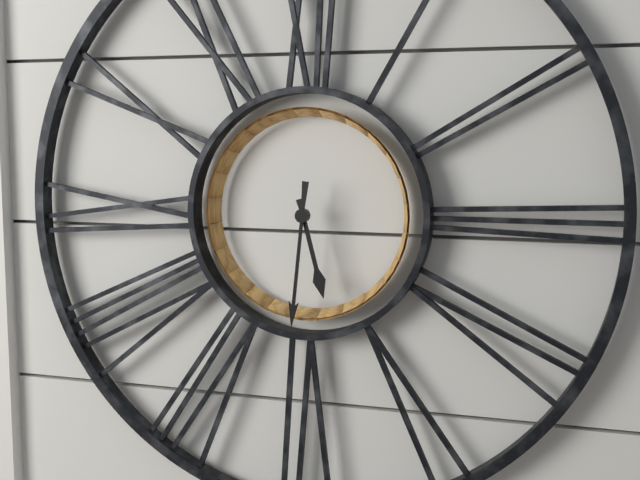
5.31
